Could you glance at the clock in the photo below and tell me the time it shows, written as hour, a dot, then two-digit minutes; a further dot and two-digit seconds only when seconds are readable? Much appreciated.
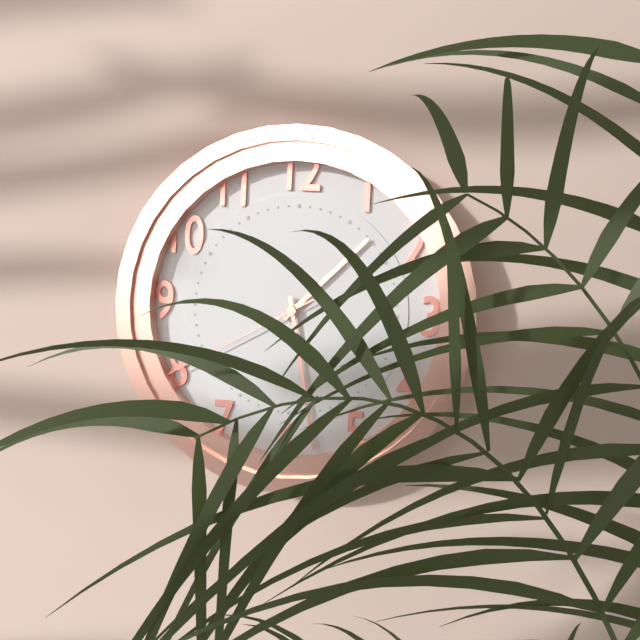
1.28.40
